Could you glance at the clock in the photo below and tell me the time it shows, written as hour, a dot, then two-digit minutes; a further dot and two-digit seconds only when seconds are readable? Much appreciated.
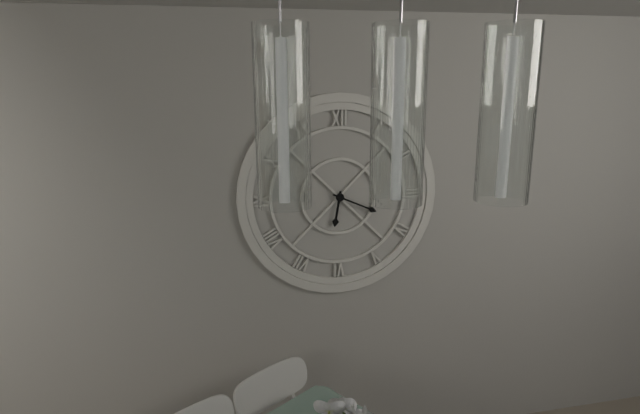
6.19
